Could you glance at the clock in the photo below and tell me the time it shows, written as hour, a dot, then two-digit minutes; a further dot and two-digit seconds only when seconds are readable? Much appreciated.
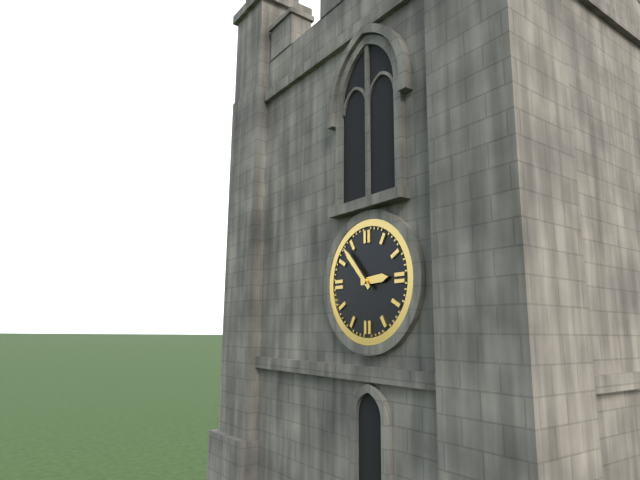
2.53
